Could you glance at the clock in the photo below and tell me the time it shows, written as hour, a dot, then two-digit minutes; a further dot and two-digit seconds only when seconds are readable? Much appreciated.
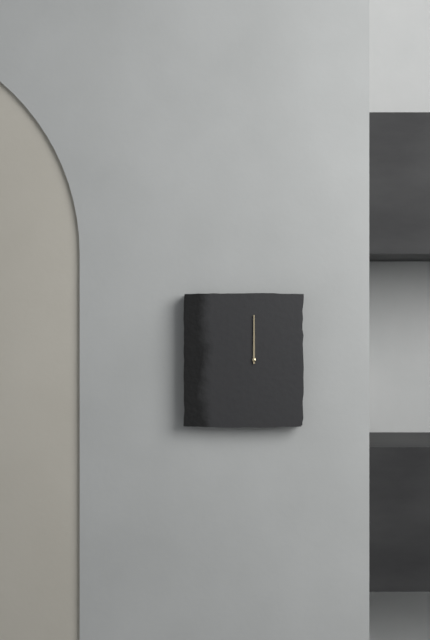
12.00
